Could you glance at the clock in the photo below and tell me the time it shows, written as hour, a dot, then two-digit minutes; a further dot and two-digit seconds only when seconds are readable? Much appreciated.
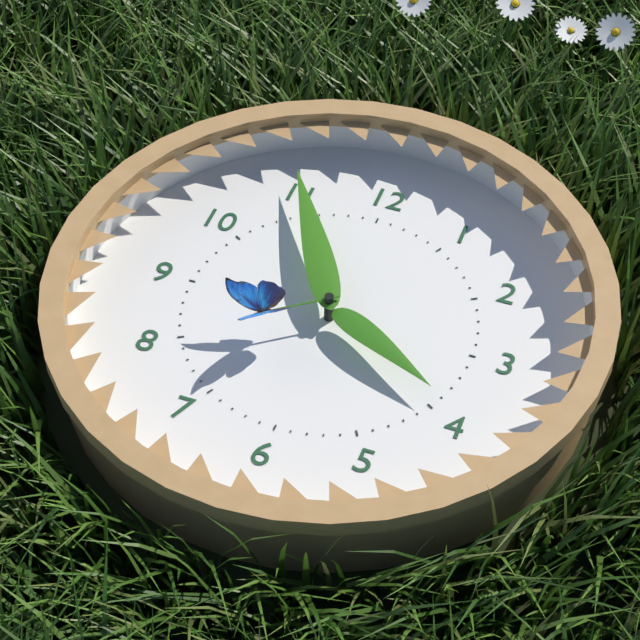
3.55.39
